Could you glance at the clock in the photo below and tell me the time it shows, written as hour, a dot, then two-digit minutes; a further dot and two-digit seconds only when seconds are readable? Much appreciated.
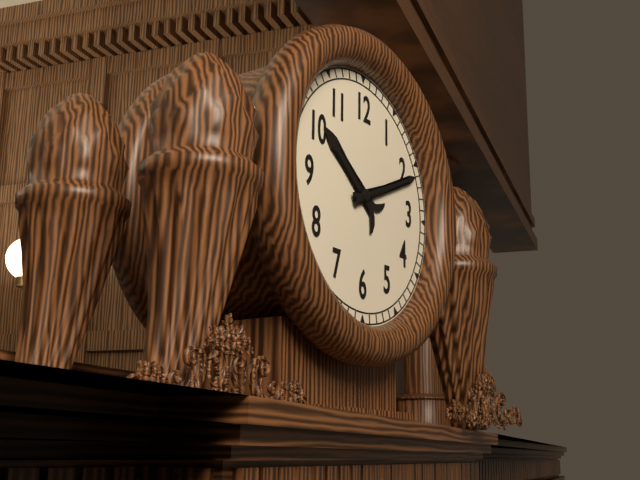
10.11
